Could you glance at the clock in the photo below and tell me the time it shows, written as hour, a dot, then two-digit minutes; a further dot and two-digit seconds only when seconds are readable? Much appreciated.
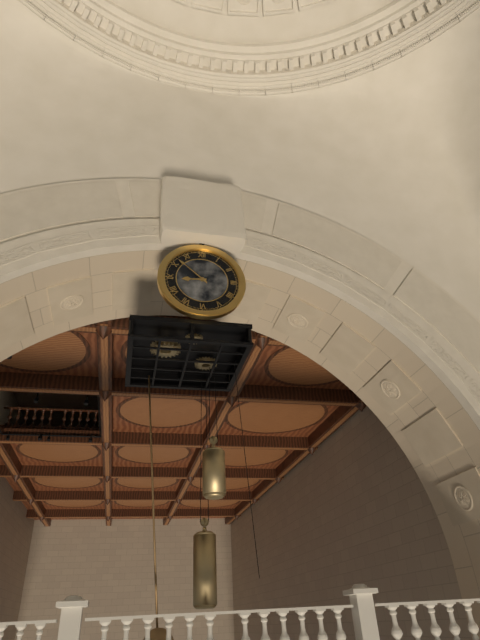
8.52
